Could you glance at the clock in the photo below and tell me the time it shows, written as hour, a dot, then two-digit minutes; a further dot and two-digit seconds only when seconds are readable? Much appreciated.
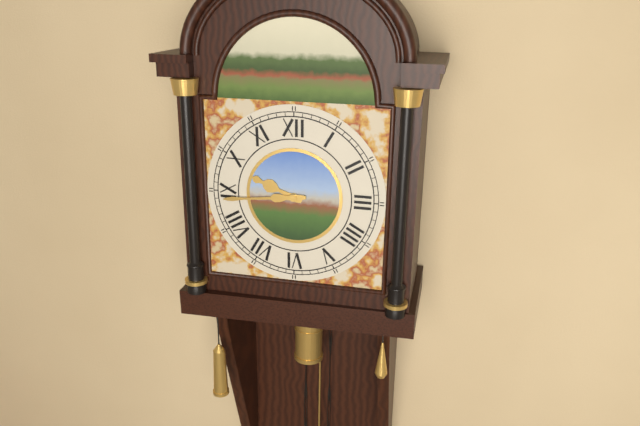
9.44
